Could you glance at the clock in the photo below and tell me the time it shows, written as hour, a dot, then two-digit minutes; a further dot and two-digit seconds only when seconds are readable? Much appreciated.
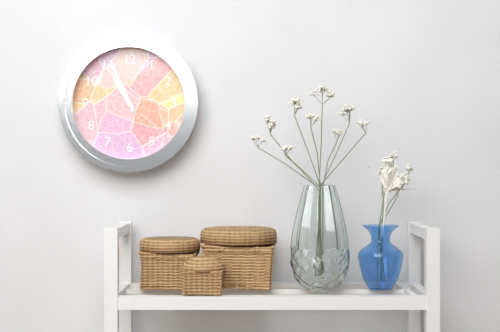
10.56
